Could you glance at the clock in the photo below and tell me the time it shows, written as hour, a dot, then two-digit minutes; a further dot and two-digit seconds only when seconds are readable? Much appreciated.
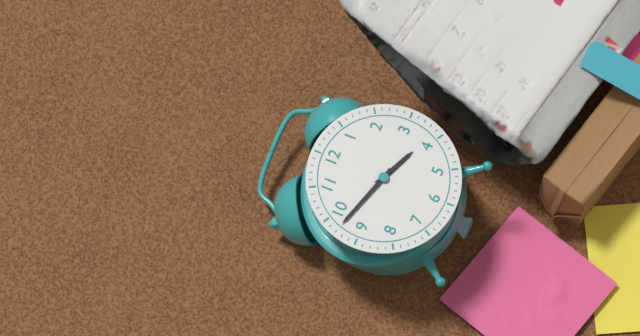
3.48
